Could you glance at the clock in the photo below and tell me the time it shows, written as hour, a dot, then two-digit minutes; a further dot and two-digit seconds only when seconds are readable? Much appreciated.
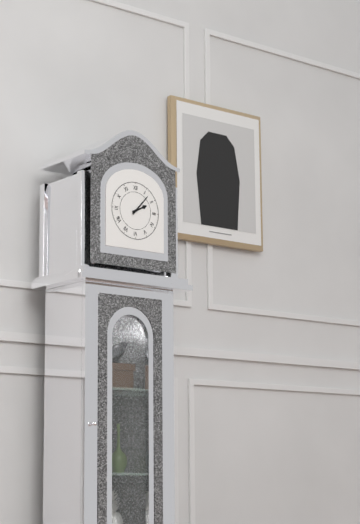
2.07
